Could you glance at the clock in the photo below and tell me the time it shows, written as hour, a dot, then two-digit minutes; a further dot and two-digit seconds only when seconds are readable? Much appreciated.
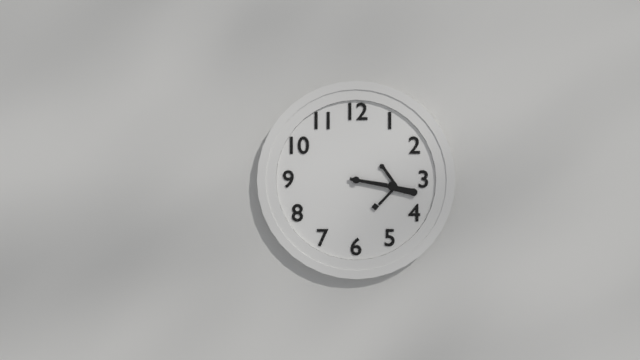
3.17
